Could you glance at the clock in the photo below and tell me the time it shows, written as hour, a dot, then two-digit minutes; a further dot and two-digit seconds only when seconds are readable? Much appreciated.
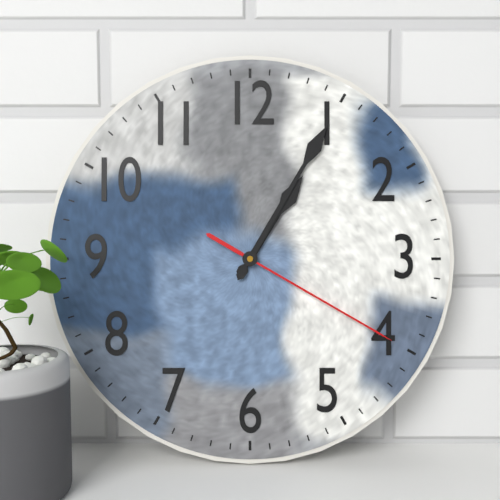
1.05.20
